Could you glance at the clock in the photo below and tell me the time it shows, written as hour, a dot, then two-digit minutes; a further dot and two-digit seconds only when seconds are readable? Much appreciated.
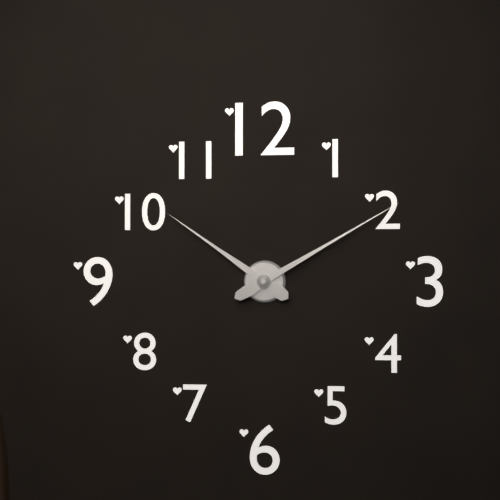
10.10
